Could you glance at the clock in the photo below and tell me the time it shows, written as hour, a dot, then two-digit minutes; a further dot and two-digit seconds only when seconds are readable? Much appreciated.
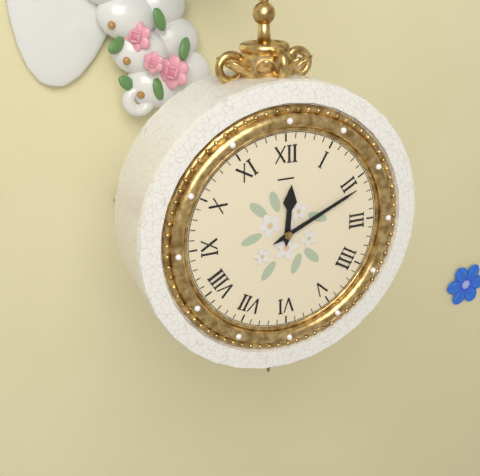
12.11
